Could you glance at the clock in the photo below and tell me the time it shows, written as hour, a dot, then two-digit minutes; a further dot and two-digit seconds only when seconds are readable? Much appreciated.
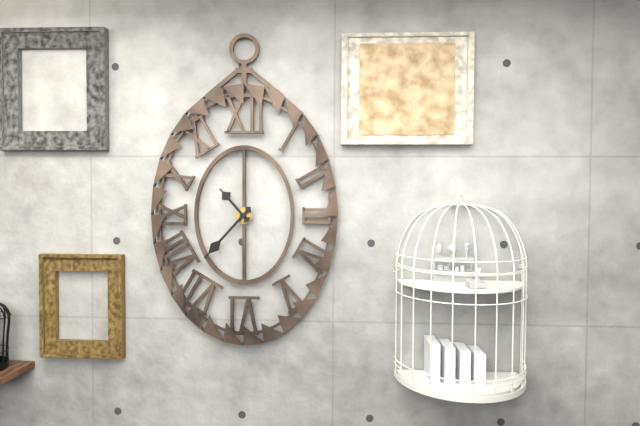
10.37
